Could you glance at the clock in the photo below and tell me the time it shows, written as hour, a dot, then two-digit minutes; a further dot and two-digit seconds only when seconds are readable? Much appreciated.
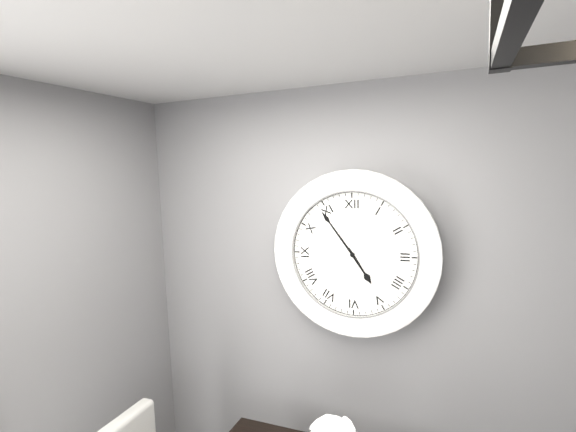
4.54
